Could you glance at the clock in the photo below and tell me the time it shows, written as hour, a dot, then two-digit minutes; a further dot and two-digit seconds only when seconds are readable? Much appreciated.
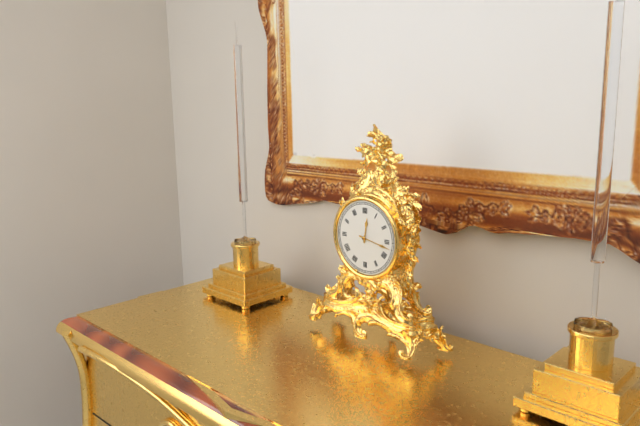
12.17
